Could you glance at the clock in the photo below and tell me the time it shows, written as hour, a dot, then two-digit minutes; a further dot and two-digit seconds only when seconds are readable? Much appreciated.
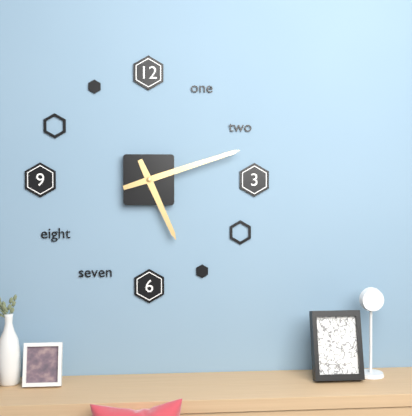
5.12
